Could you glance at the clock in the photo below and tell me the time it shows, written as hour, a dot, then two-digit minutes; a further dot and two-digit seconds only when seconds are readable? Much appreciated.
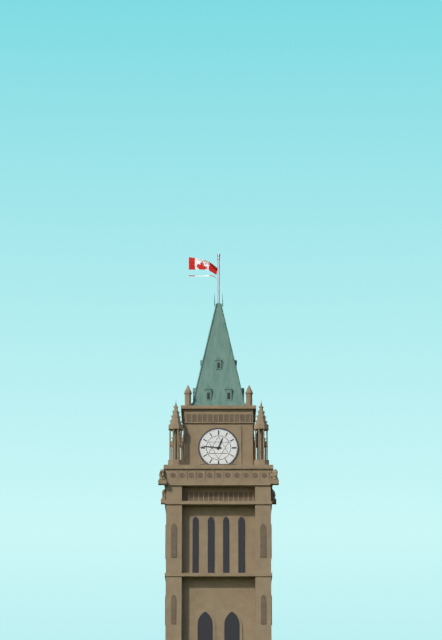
12.46
